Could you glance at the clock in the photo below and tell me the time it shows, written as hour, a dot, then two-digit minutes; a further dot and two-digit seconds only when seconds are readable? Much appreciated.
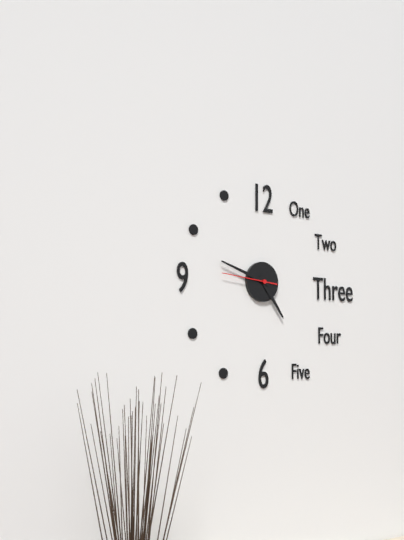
4.48.46
